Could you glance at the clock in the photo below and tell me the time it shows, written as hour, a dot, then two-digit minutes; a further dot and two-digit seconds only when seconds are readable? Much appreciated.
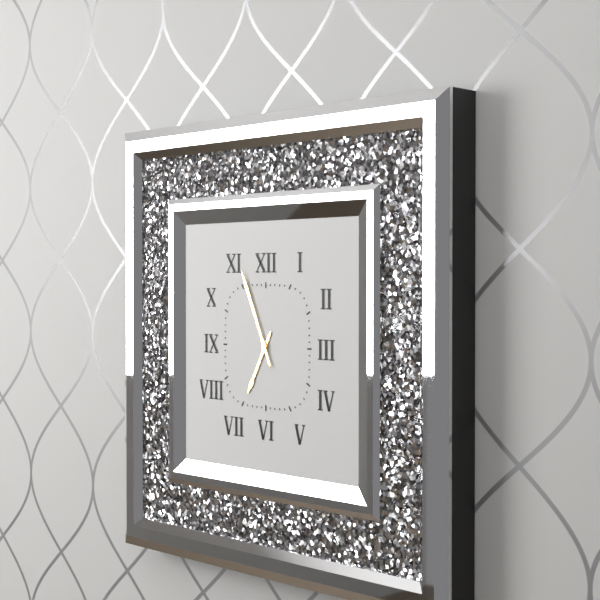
6.56
